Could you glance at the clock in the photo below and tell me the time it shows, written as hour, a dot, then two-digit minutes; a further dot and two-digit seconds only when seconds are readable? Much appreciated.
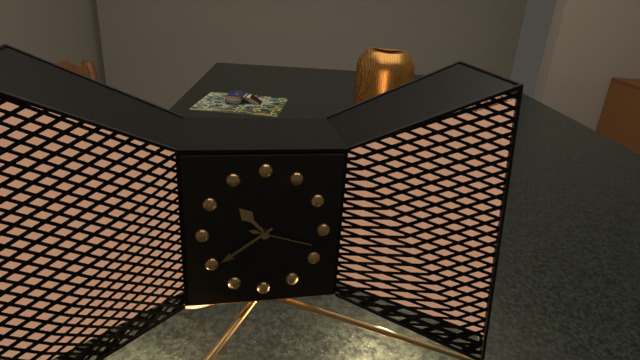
10.39.18
